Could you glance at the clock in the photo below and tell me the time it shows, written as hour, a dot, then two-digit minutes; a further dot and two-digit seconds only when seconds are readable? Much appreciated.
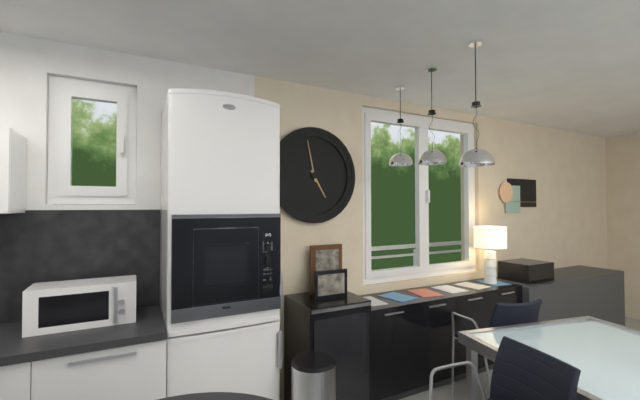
4.58
